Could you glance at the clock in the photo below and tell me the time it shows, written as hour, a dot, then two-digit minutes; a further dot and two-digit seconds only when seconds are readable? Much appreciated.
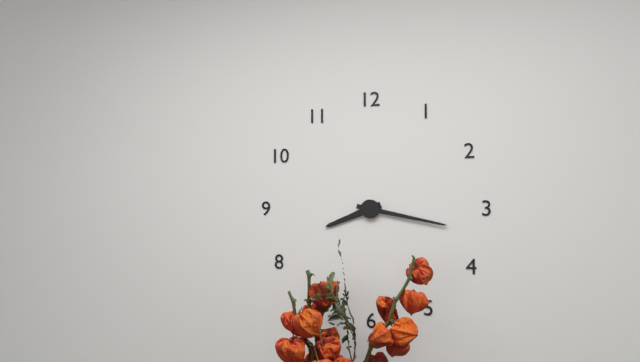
8.17
